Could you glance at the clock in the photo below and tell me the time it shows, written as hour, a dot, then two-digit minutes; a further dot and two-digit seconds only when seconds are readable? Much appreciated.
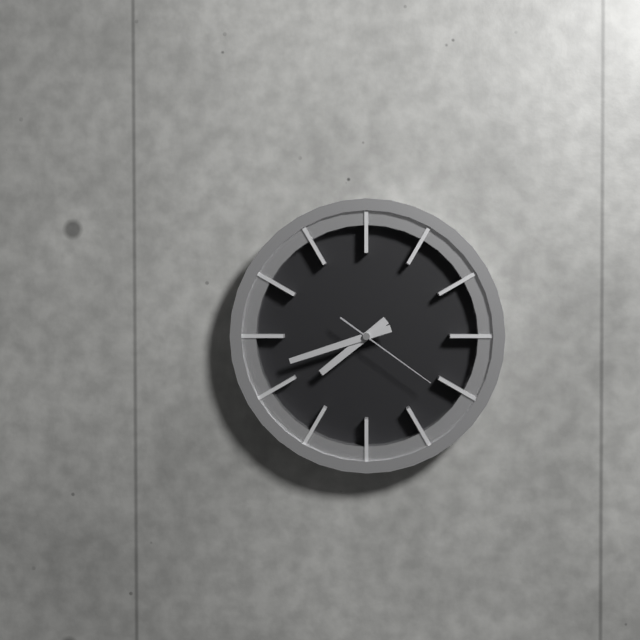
7.42.21
